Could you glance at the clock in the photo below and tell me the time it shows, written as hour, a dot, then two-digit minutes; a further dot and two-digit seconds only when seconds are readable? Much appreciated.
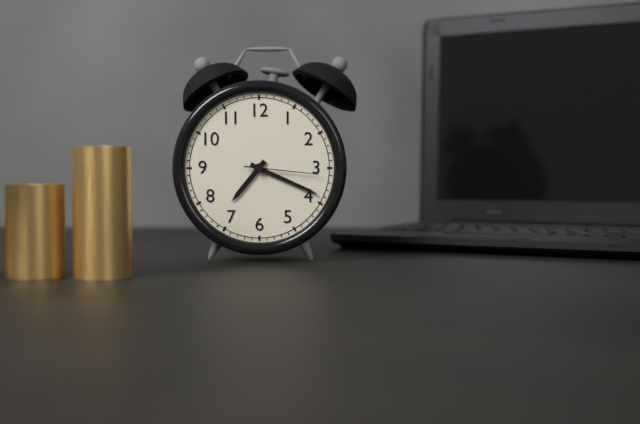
7.19.16
